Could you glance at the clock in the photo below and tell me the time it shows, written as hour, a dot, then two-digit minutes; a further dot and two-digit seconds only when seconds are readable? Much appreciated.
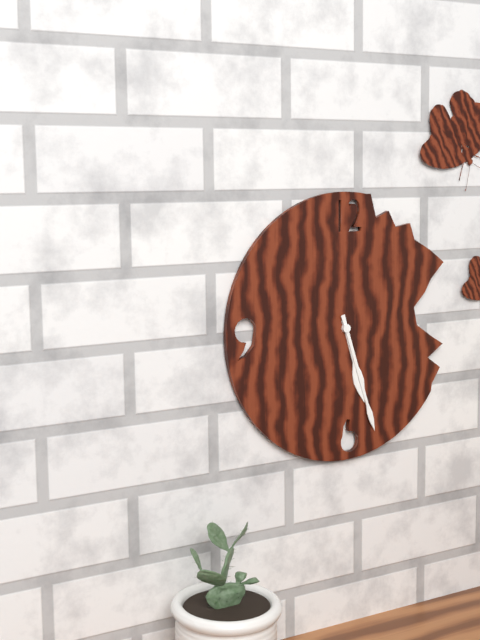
5.27
